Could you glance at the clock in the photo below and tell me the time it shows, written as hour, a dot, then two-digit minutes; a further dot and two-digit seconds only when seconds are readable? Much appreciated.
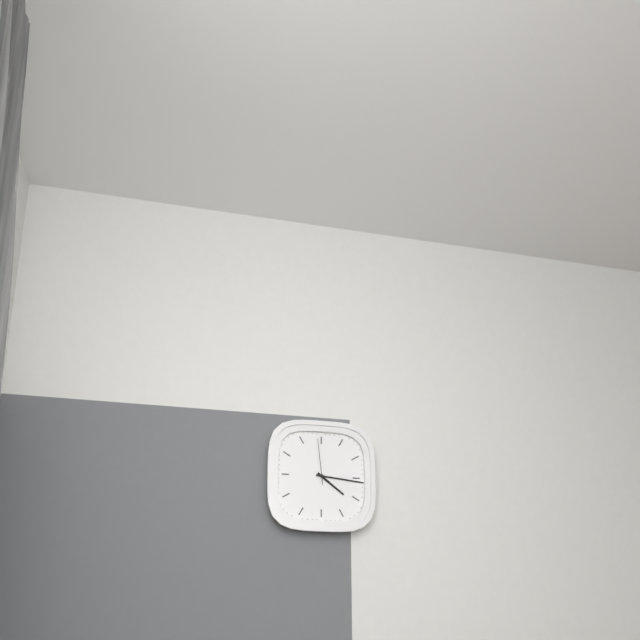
4.16
